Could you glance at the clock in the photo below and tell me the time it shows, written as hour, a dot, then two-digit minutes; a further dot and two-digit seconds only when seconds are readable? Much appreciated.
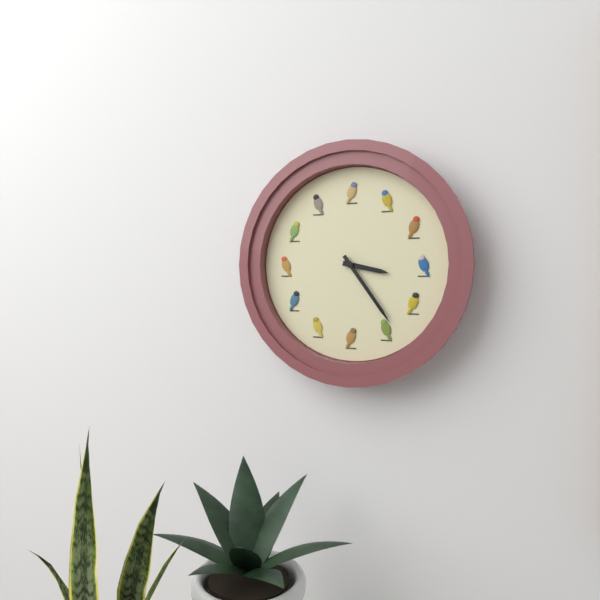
3.24
